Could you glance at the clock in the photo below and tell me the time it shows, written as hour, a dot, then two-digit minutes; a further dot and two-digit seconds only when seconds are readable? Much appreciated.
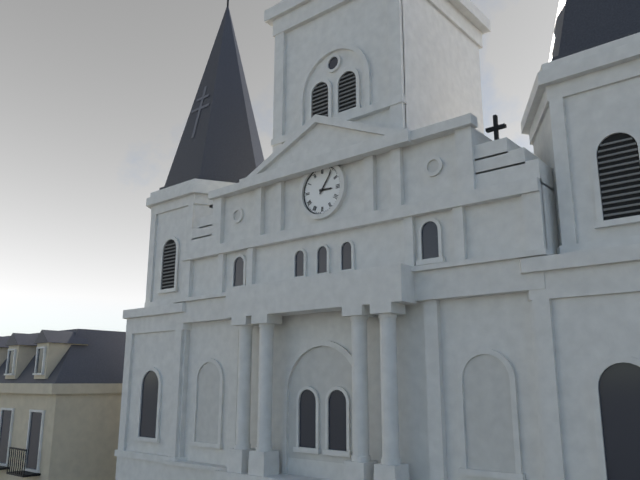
3.06
